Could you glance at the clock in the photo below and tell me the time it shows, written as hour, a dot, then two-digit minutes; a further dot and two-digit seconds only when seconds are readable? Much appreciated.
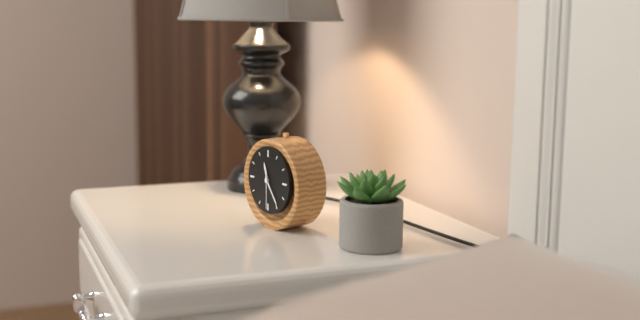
11.24
